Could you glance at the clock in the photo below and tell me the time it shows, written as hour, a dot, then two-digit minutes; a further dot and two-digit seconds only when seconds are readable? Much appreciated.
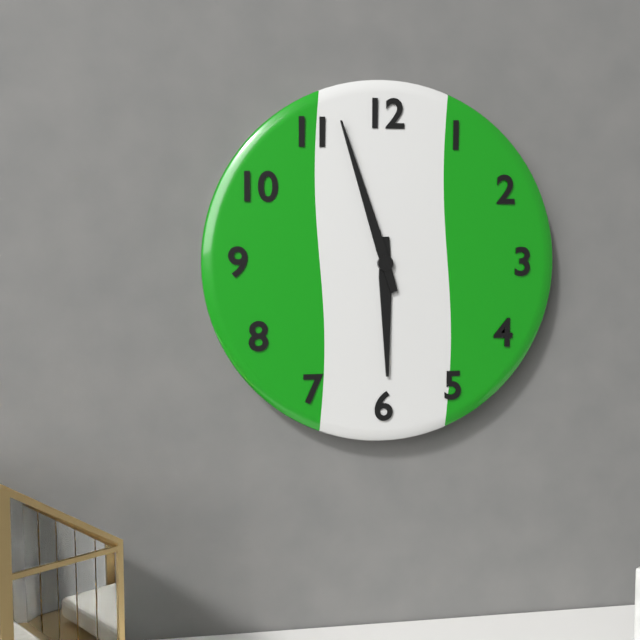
5.57
